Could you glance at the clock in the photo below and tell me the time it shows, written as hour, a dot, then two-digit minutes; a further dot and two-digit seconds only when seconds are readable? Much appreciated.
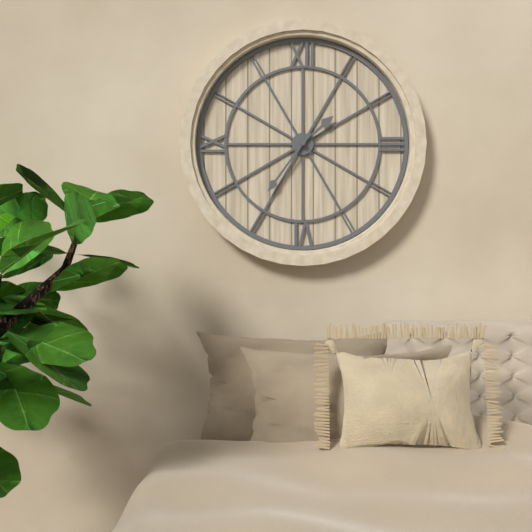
1.36
